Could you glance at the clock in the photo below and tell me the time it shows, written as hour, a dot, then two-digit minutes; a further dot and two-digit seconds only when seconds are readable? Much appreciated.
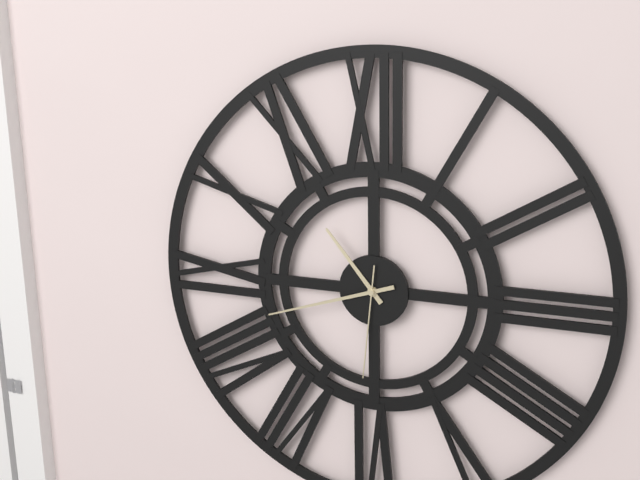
10.42.31
